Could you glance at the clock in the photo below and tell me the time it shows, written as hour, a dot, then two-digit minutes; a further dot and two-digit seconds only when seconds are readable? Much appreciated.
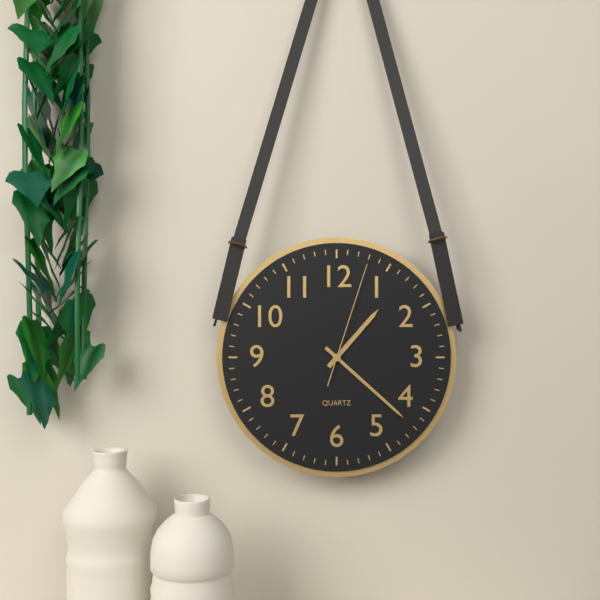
1.22.03
